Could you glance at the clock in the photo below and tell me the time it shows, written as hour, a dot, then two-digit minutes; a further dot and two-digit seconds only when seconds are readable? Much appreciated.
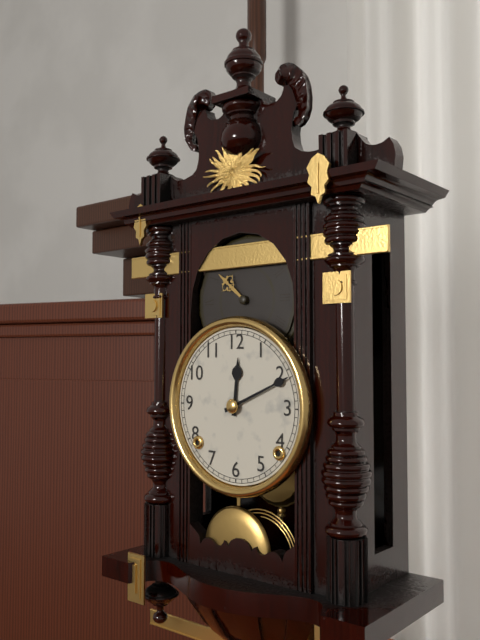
12.11
